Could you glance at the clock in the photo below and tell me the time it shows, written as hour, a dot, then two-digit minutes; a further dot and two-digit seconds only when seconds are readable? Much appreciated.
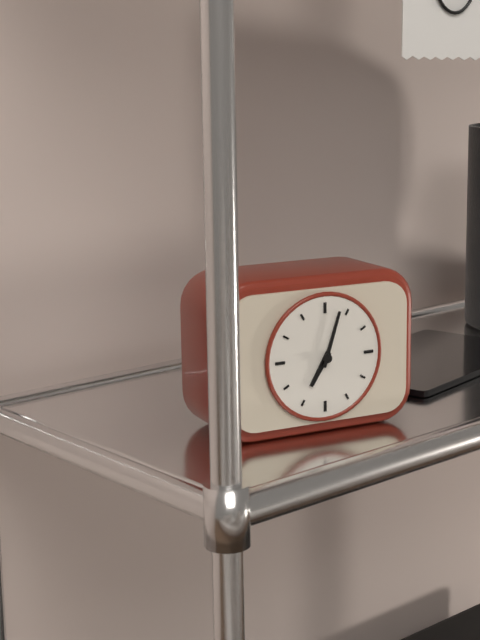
7.03
